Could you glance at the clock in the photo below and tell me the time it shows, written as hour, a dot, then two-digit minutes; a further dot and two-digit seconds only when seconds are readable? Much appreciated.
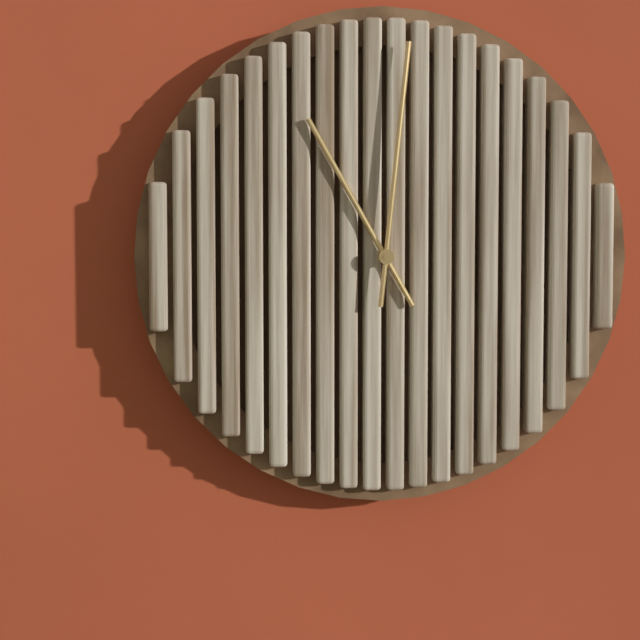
11.01
